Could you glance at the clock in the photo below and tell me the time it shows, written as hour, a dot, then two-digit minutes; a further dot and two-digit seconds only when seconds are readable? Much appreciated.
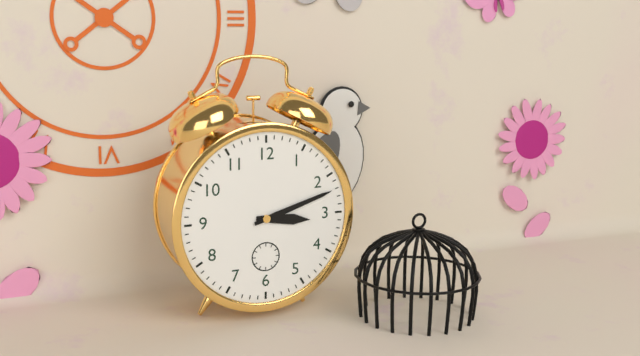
3.12
